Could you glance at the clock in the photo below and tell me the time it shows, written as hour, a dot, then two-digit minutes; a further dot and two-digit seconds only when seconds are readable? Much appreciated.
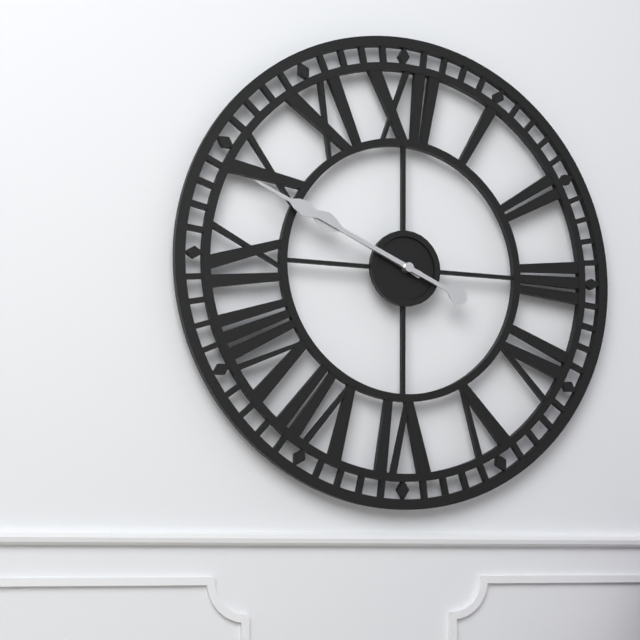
9.49
